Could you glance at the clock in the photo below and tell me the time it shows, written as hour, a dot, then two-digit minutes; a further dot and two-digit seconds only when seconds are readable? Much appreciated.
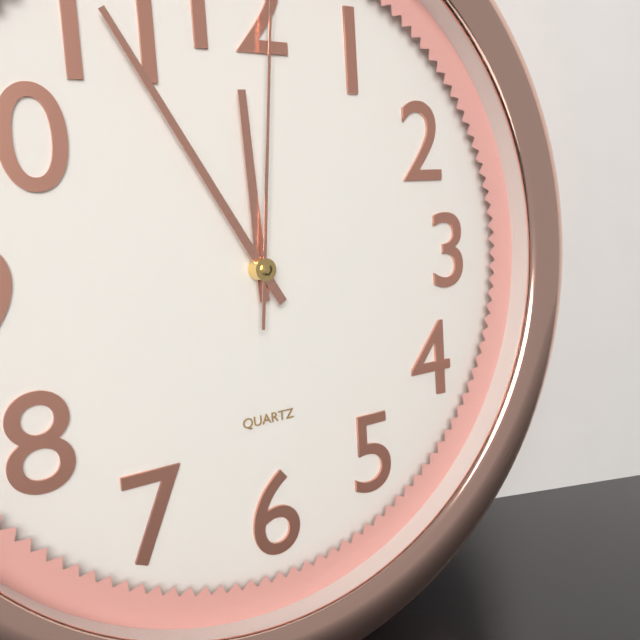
11.55
